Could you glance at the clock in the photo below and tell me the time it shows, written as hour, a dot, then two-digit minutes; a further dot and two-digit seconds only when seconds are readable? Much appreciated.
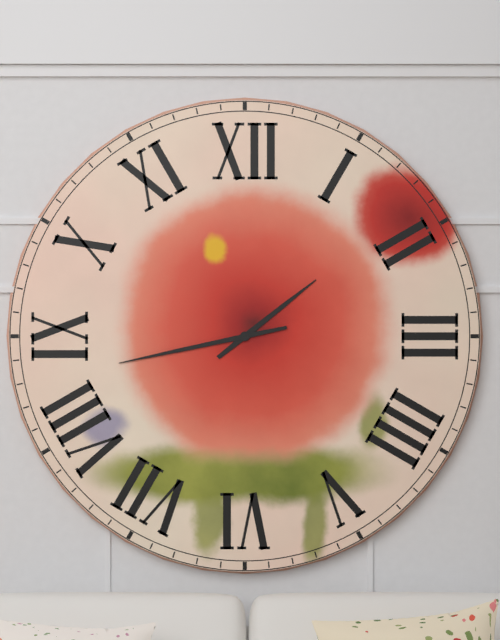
1.43
